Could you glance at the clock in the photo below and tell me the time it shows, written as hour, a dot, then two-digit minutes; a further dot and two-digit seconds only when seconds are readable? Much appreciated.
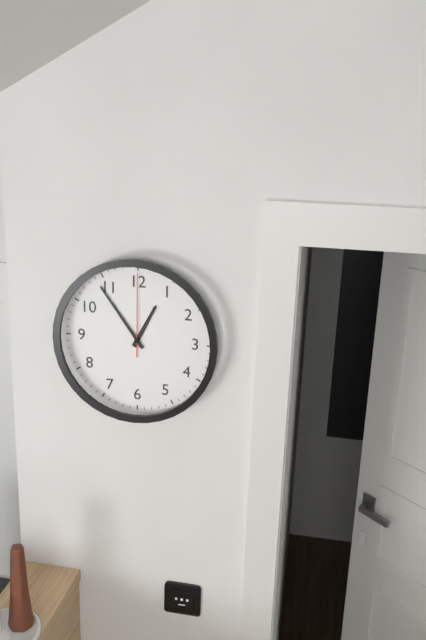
12.54.00
